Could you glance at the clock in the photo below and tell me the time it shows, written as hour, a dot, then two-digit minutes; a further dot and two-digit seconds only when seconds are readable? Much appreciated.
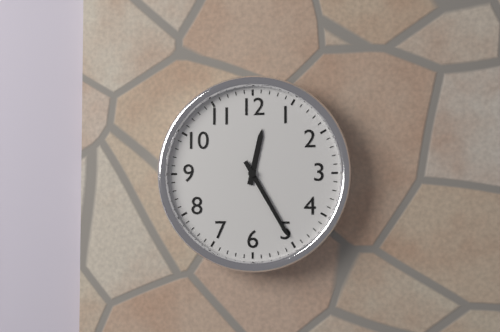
12.25
